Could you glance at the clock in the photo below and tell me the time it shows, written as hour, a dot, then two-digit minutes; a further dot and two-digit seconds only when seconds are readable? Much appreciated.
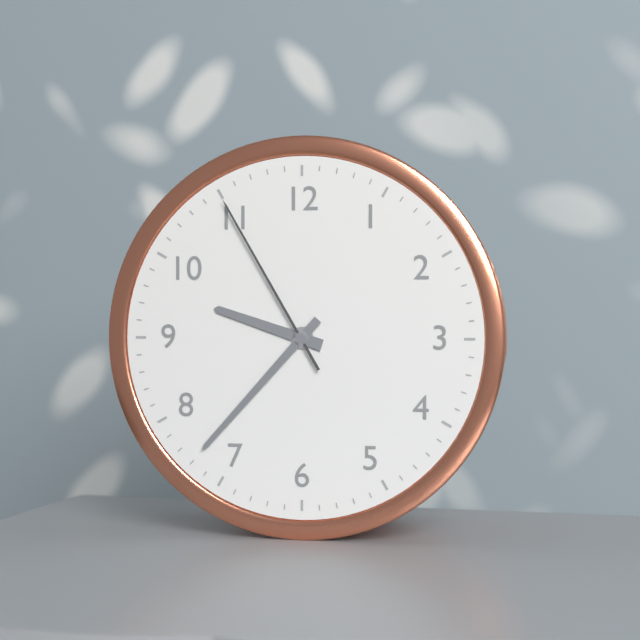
9.37.55
